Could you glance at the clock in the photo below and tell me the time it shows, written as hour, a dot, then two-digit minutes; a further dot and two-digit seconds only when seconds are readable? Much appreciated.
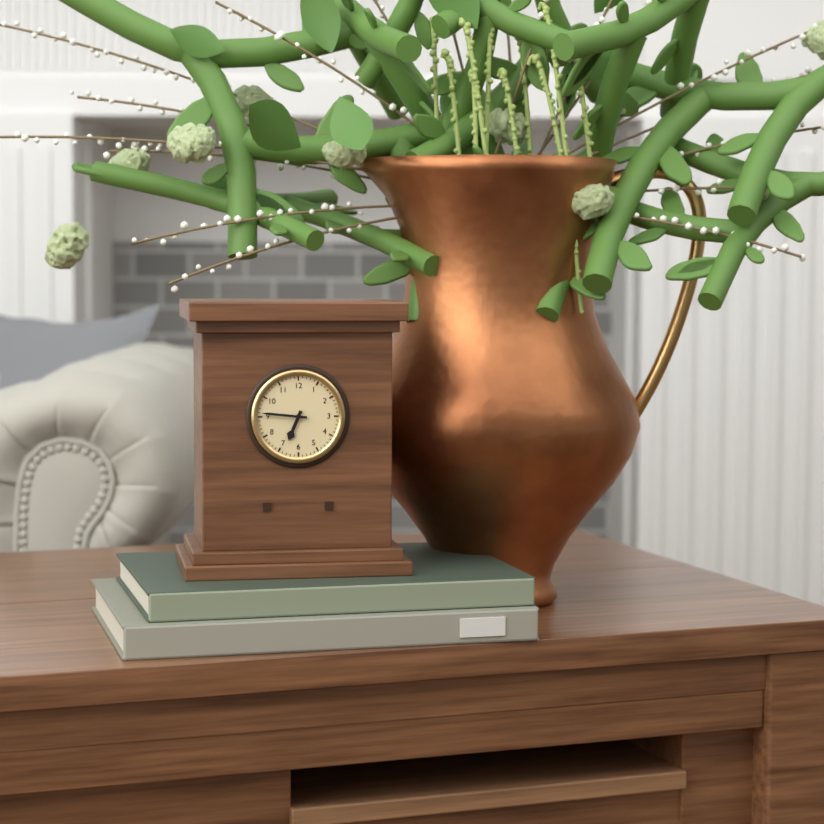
6.46
